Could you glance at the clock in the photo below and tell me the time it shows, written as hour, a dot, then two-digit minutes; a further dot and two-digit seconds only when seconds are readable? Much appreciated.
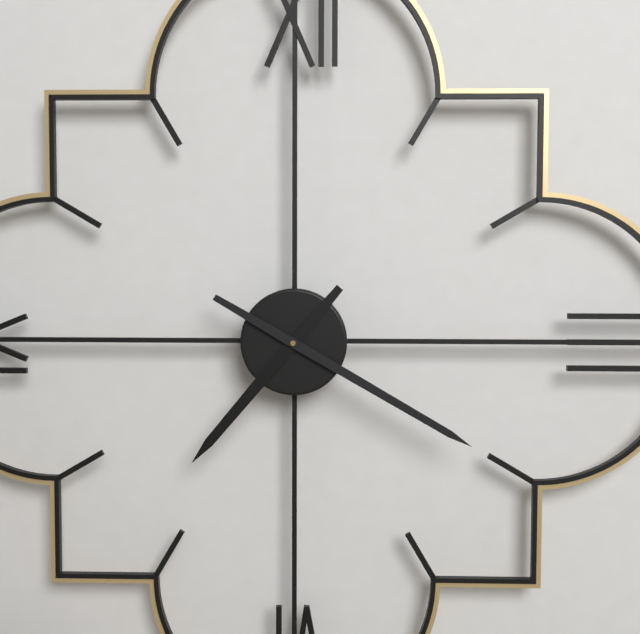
7.20
